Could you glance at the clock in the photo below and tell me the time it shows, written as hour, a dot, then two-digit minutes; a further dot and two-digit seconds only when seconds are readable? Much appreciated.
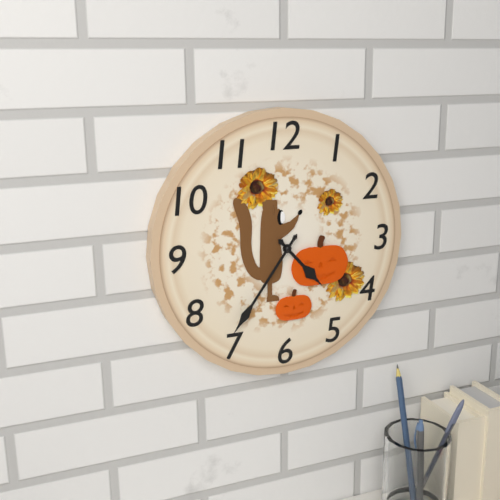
4.36
